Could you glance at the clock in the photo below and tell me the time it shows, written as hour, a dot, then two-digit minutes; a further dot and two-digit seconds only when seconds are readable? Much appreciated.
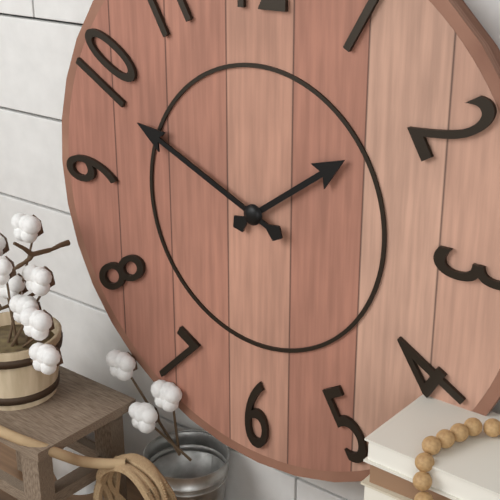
1.49
